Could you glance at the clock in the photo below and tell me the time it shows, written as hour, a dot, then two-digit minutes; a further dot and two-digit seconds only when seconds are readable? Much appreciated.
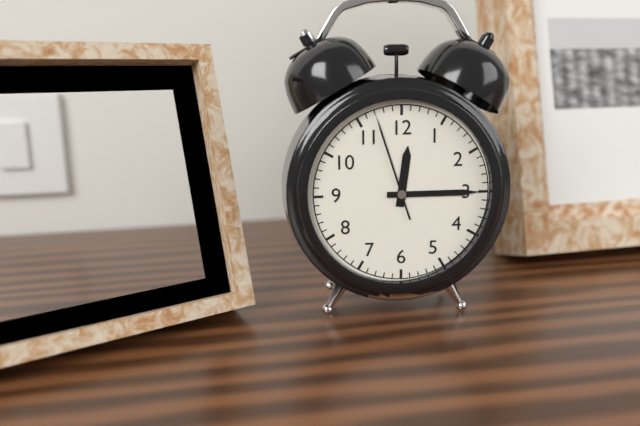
12.15.57
